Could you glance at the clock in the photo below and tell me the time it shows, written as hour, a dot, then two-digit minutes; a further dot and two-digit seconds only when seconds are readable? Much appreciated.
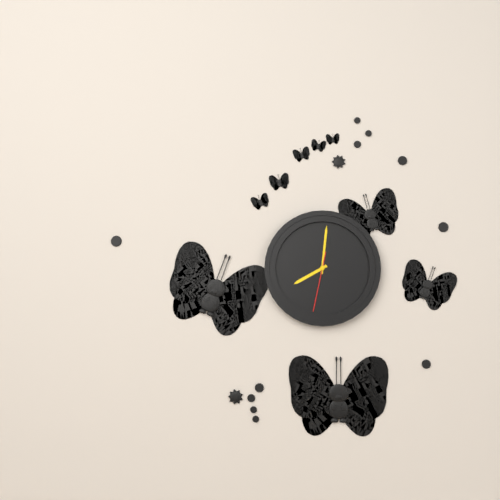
8.01.32
